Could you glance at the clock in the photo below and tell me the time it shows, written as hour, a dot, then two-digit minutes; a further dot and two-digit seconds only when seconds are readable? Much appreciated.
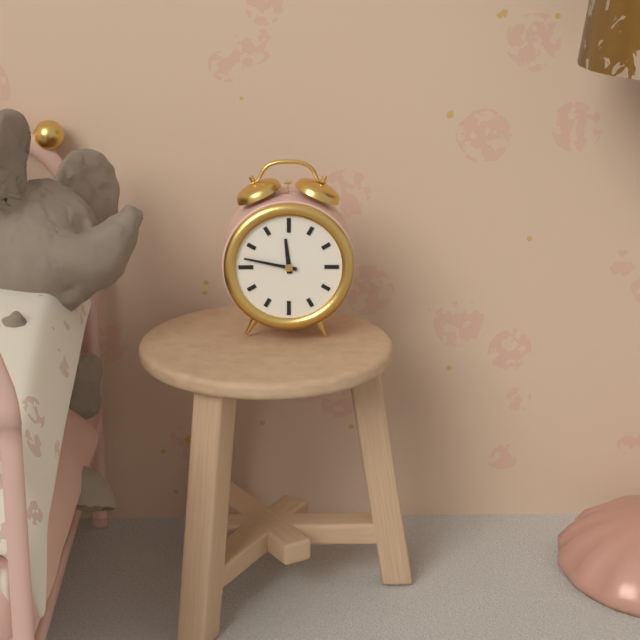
11.47
